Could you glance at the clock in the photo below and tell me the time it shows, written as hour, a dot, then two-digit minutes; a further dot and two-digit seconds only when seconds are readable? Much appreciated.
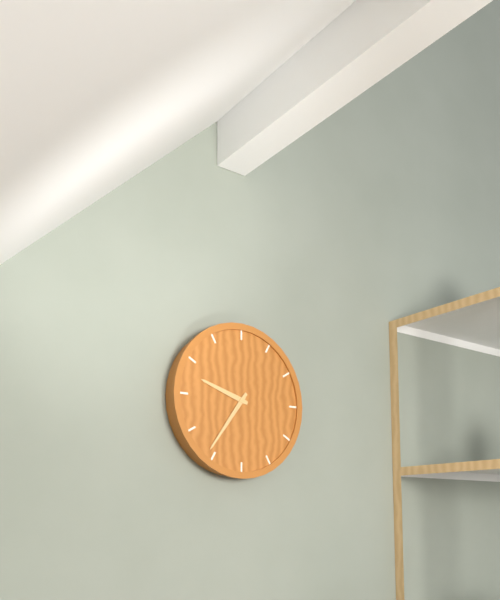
9.36
